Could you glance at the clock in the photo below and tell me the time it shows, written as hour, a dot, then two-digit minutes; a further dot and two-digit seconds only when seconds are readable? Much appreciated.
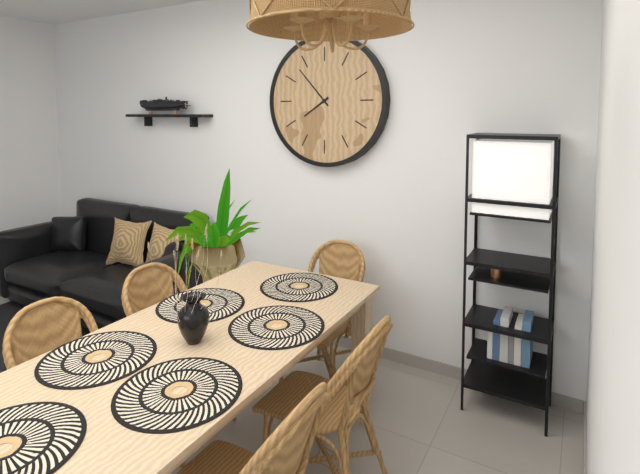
7.53
